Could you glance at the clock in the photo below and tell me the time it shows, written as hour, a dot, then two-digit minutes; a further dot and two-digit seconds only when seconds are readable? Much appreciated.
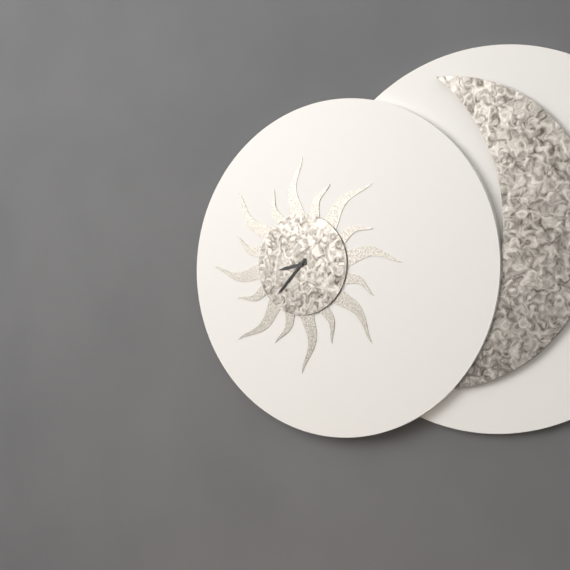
8.37
